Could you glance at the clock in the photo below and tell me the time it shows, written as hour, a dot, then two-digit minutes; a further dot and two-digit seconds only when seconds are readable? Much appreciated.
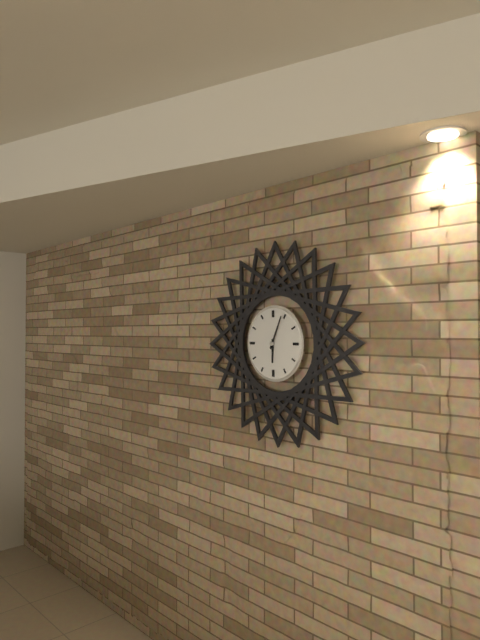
6.04
